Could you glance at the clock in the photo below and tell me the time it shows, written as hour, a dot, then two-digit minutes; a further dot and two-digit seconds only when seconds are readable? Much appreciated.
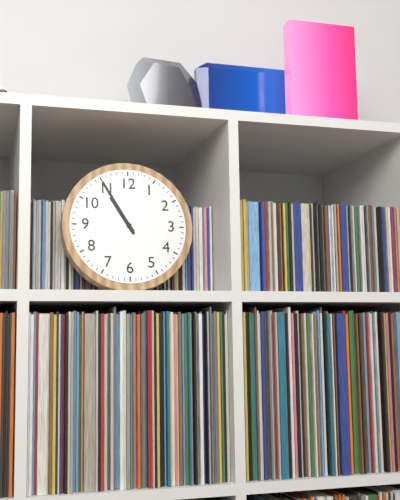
10.55
